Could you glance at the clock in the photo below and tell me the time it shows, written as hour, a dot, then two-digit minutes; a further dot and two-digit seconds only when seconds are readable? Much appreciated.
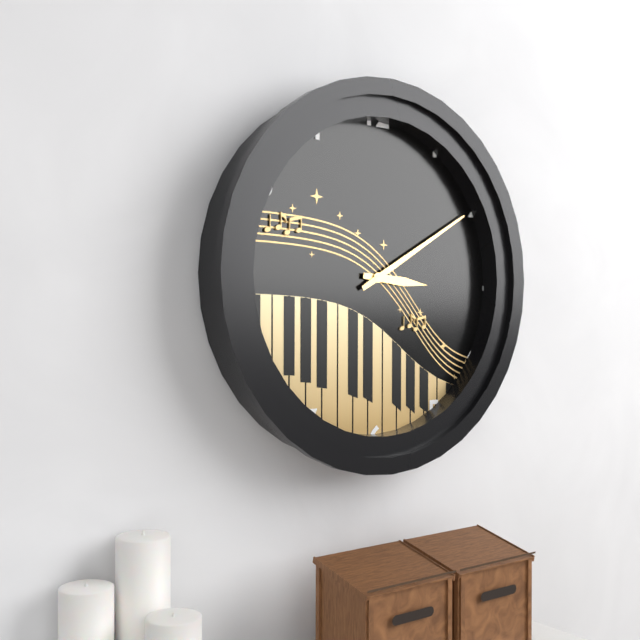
3.10
